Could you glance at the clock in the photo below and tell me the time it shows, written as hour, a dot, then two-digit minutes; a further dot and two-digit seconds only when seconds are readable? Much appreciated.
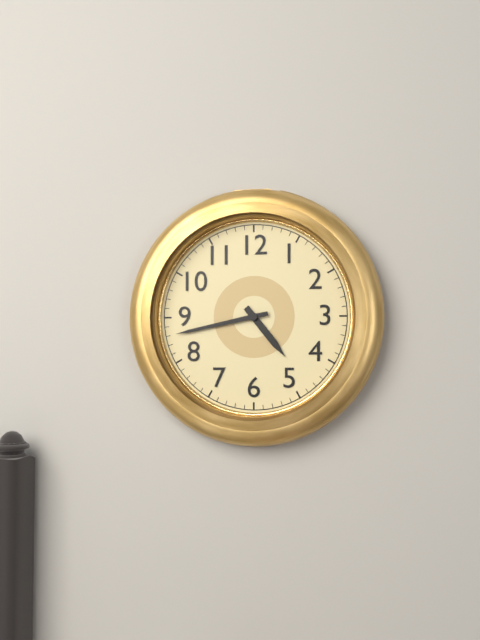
4.43
